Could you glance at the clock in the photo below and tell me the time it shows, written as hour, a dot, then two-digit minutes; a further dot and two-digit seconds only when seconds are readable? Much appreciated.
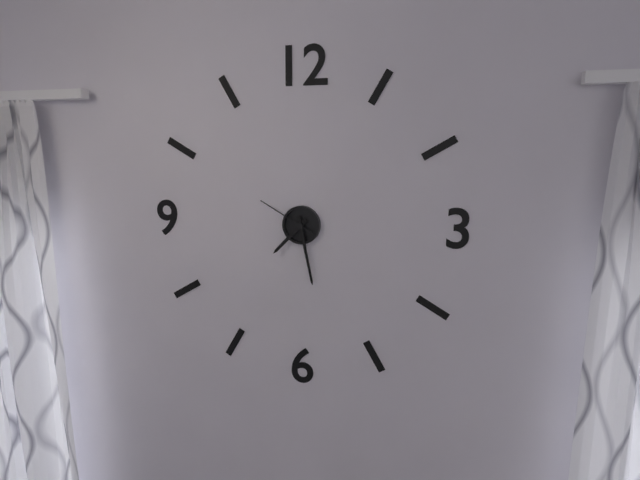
7.28.50
